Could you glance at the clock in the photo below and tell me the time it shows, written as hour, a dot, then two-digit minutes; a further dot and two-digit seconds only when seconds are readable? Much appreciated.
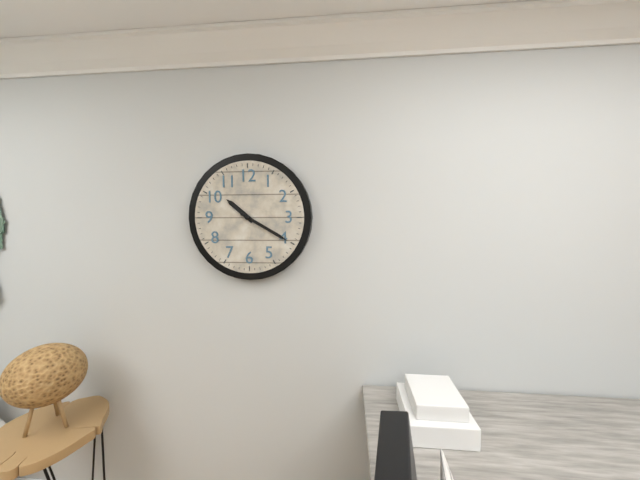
10.20
